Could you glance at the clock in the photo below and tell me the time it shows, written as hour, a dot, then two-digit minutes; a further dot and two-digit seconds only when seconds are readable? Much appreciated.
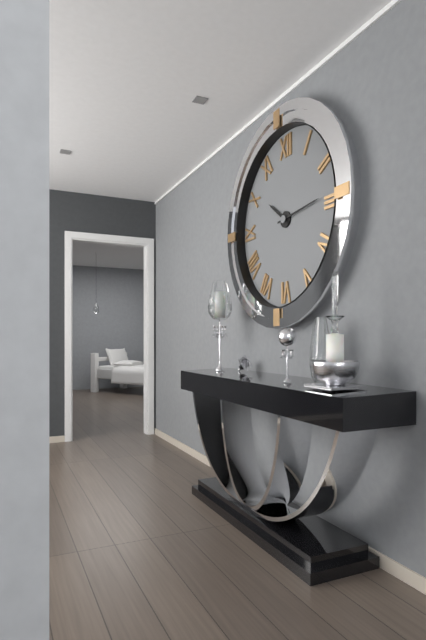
10.14
